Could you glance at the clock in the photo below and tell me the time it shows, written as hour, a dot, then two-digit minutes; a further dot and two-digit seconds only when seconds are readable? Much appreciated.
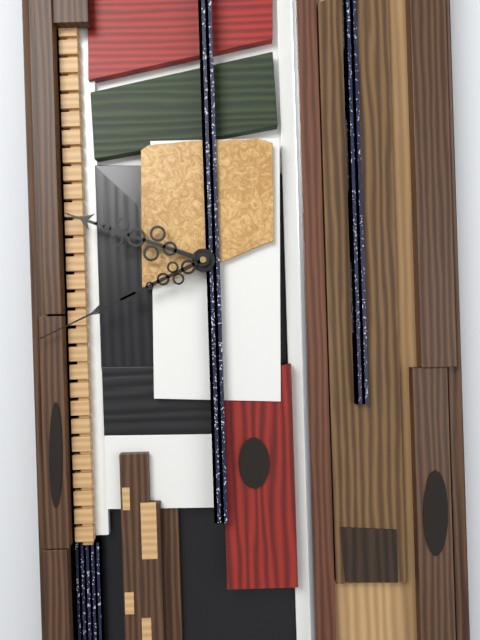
9.41
